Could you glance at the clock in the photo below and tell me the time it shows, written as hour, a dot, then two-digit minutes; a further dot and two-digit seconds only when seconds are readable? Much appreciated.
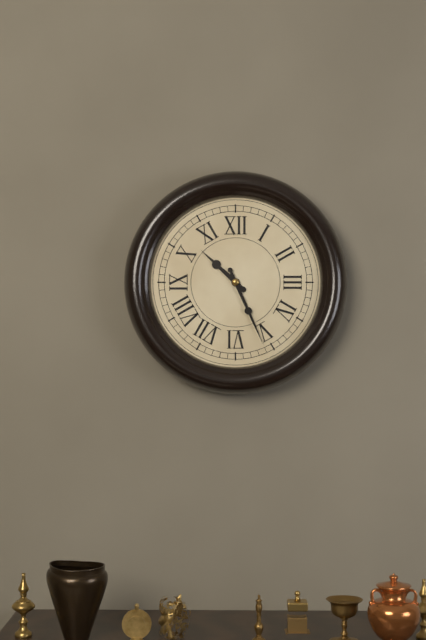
10.26
